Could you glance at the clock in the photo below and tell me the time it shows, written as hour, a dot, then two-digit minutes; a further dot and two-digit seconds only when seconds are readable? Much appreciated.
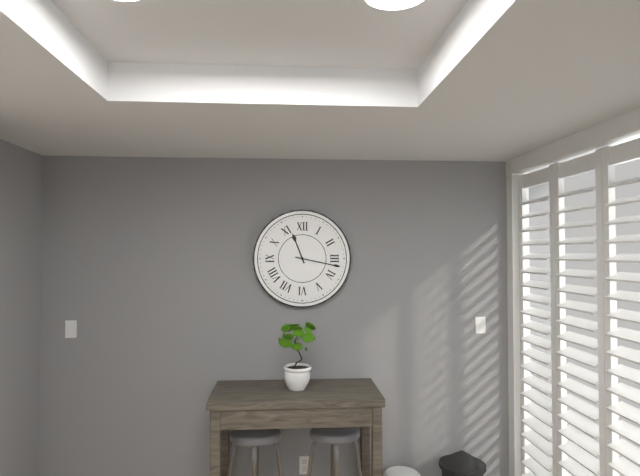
11.17
